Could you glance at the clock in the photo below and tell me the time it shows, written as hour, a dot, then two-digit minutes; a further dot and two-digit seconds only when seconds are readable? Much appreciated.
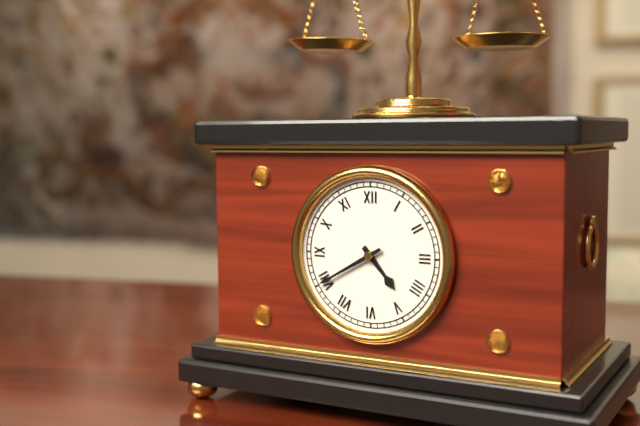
4.40
